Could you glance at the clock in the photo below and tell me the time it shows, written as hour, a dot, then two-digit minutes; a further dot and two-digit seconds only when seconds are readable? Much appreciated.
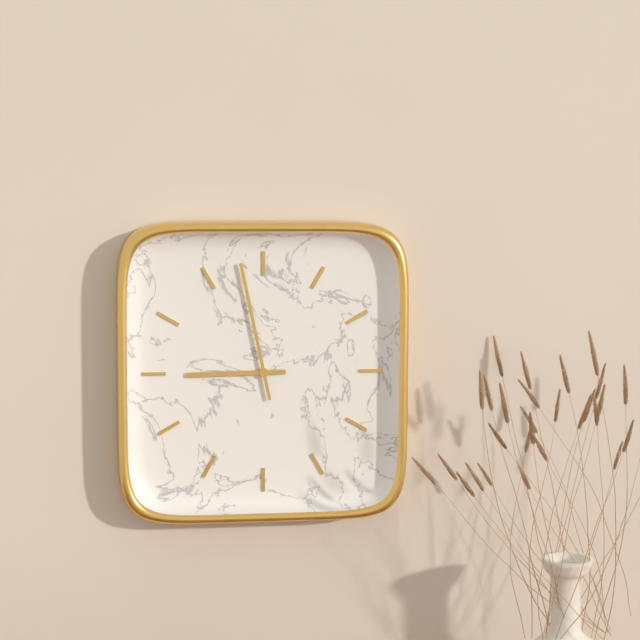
8.58
